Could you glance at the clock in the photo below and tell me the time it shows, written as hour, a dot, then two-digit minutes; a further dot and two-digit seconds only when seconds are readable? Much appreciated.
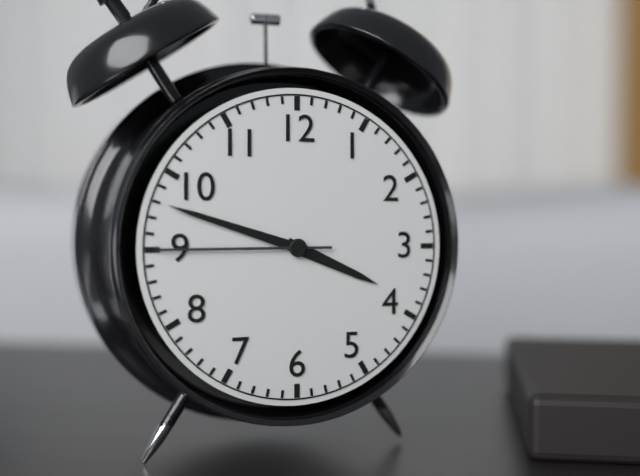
3.48.45
